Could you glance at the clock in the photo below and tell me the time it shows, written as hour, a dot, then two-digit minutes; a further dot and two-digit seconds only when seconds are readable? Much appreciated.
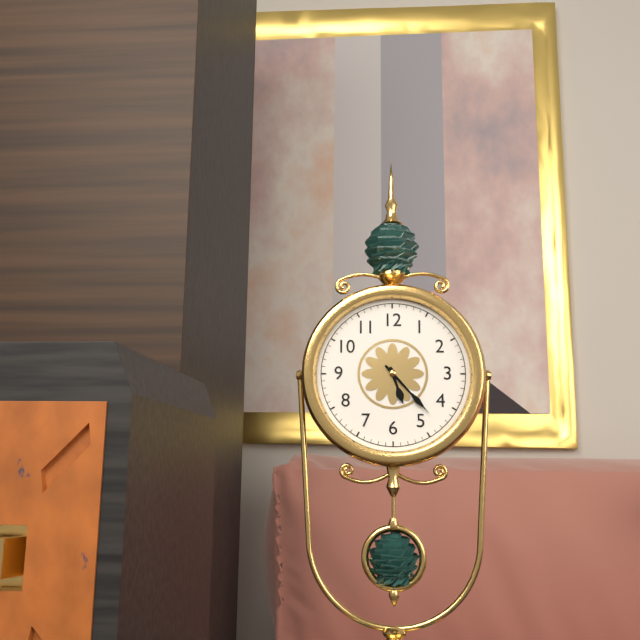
5.23
